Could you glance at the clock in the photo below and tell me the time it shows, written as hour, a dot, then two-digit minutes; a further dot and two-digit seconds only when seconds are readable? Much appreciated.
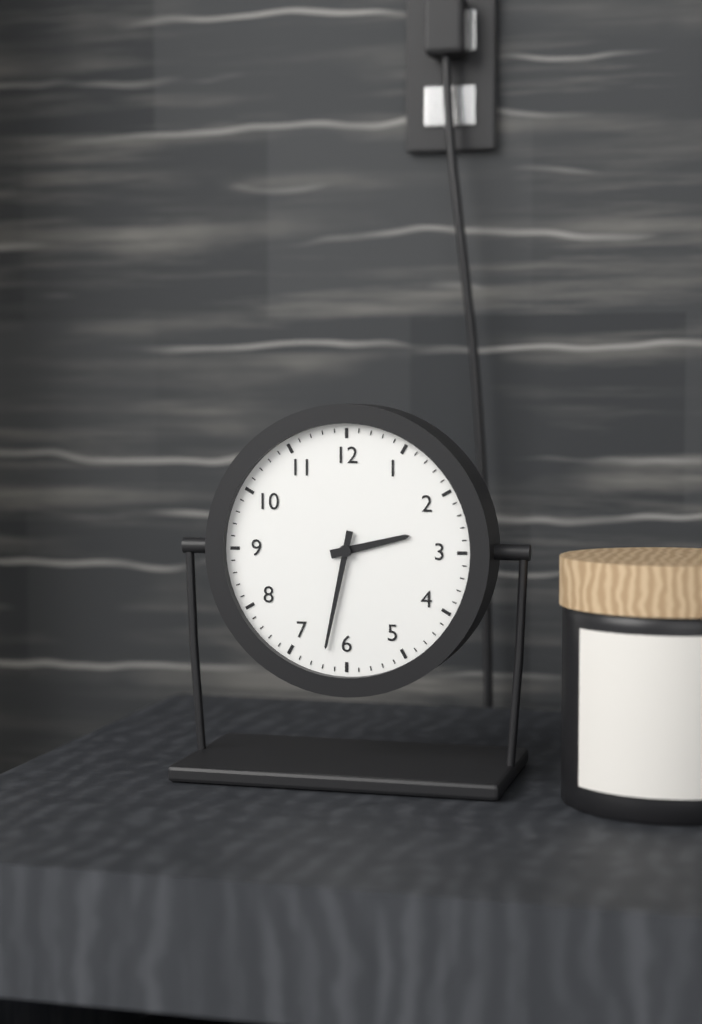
2.32
